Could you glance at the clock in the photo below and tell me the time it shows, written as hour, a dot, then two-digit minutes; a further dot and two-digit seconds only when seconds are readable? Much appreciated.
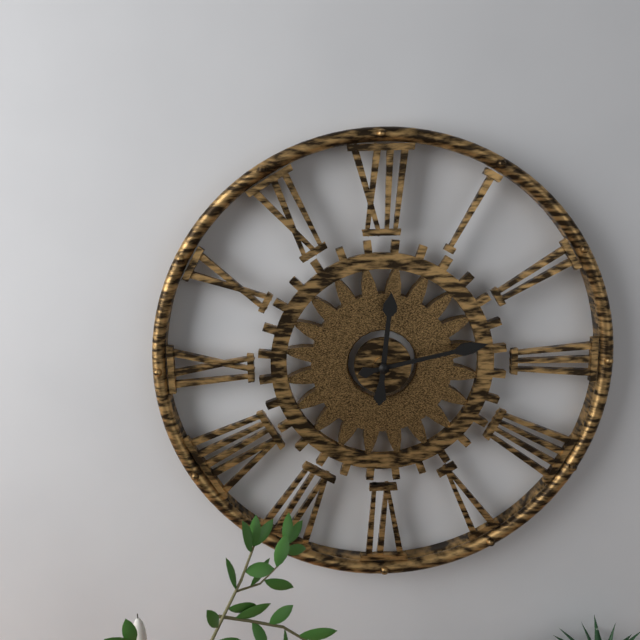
12.13
